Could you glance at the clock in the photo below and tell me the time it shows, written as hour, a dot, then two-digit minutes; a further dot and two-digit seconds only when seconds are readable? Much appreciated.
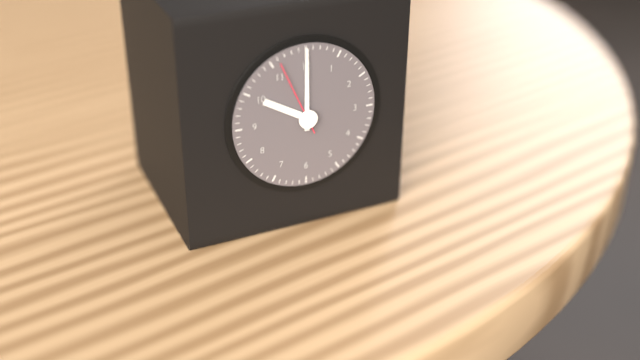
10.00.56
